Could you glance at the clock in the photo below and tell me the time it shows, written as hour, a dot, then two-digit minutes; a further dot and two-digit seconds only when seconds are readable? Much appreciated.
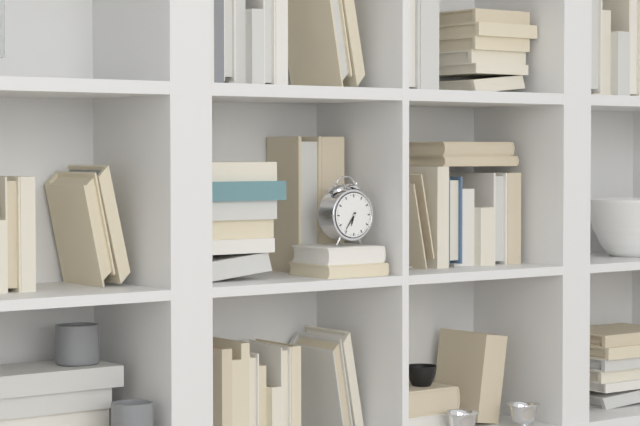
6.36
